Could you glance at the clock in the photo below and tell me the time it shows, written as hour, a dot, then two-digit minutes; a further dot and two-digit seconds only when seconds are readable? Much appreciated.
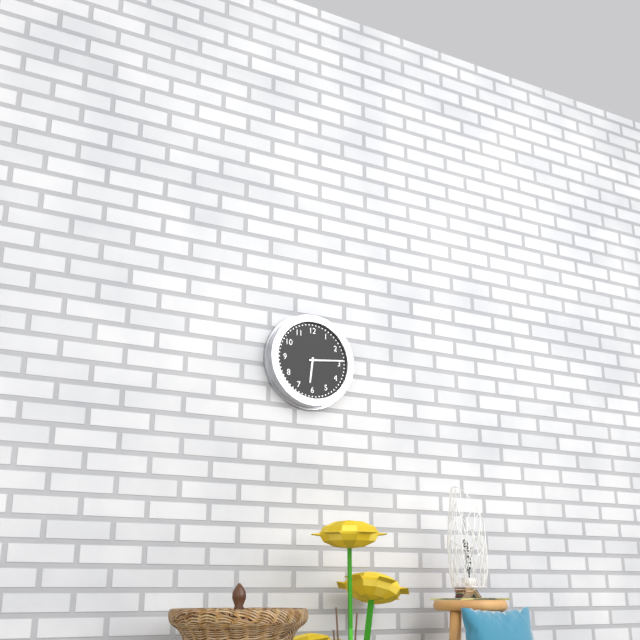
6.14
